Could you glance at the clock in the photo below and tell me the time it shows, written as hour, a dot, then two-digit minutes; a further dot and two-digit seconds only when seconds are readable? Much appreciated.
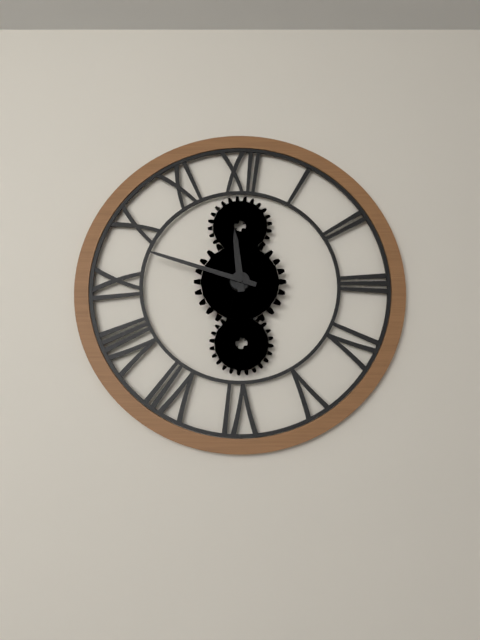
11.48
